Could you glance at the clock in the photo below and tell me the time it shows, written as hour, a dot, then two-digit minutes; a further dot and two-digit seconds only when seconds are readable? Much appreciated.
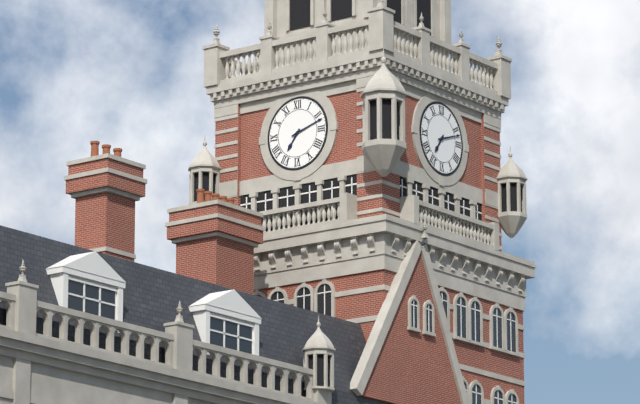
7.12
